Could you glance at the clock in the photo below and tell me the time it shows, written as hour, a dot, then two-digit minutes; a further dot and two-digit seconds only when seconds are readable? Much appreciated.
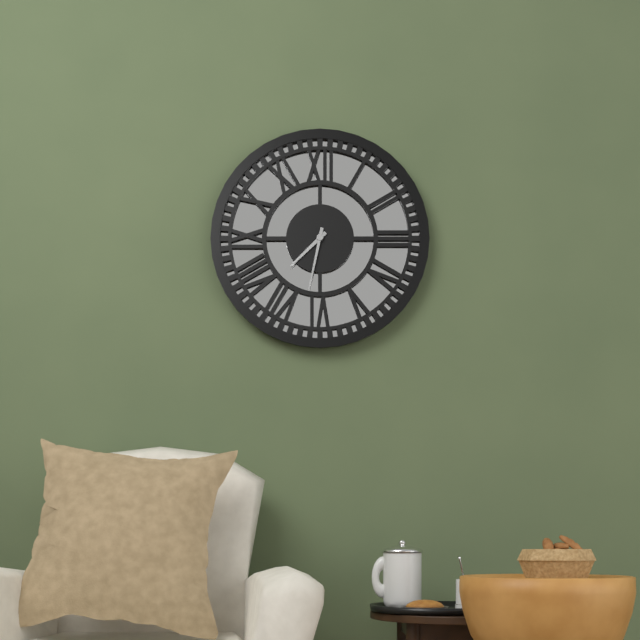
7.32
